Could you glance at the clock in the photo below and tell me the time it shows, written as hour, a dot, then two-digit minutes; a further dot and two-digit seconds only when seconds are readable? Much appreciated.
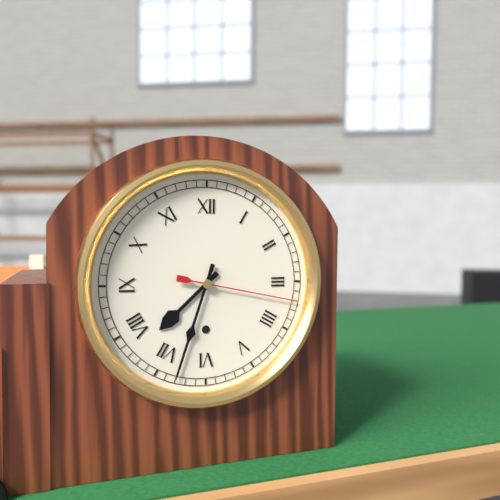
7.33.17
